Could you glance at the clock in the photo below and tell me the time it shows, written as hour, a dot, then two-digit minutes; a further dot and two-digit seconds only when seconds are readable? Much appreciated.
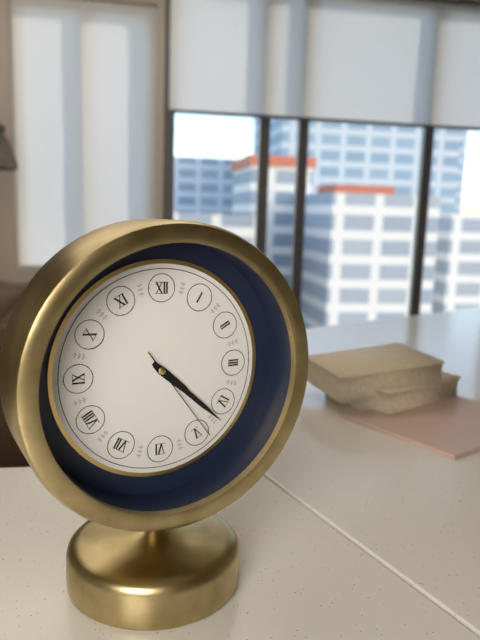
4.22.24
